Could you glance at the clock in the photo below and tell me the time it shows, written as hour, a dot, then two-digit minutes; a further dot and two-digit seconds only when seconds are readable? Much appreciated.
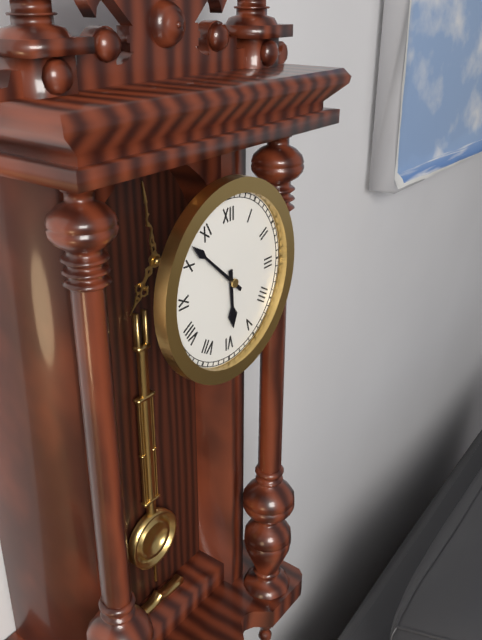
5.52
